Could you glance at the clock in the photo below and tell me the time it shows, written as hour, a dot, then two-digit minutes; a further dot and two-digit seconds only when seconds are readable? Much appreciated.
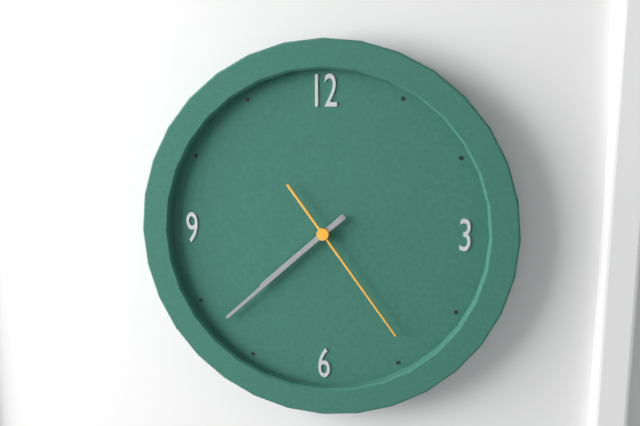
7.38.24
